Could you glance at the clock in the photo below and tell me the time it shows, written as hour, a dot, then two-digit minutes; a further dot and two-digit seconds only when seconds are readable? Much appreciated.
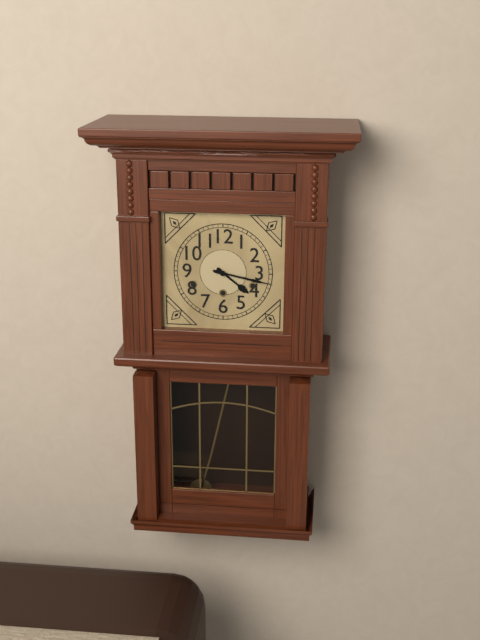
4.17
